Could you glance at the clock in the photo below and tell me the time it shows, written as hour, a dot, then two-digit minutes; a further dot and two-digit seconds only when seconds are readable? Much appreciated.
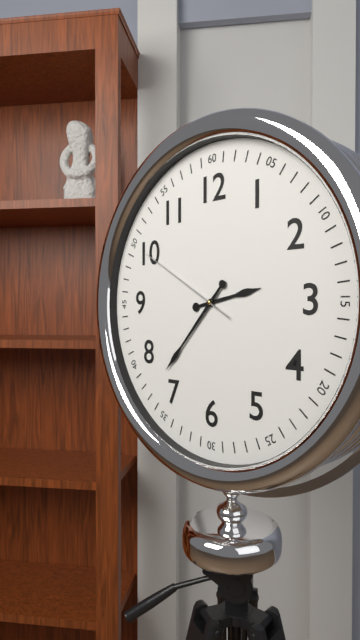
2.37.50
